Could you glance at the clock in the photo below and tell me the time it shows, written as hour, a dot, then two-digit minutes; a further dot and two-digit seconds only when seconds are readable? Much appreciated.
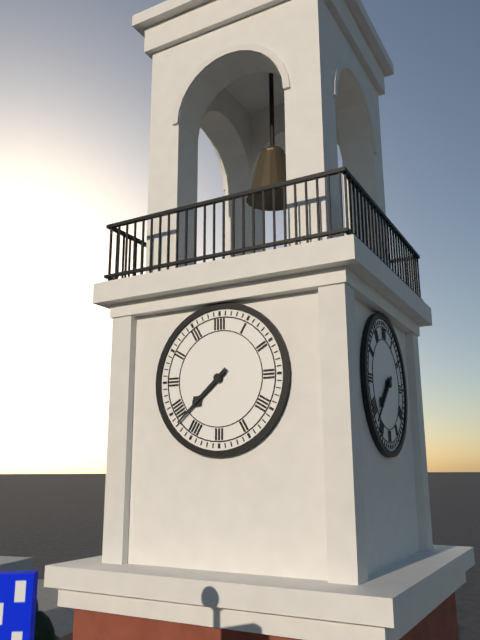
7.38
